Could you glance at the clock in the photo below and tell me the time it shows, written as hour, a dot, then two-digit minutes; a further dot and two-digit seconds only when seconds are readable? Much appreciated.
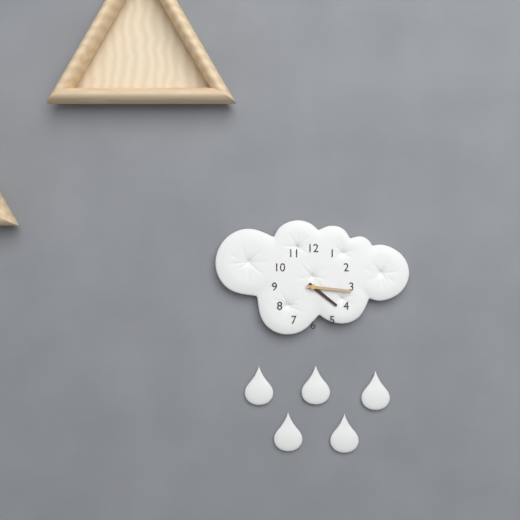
4.16
